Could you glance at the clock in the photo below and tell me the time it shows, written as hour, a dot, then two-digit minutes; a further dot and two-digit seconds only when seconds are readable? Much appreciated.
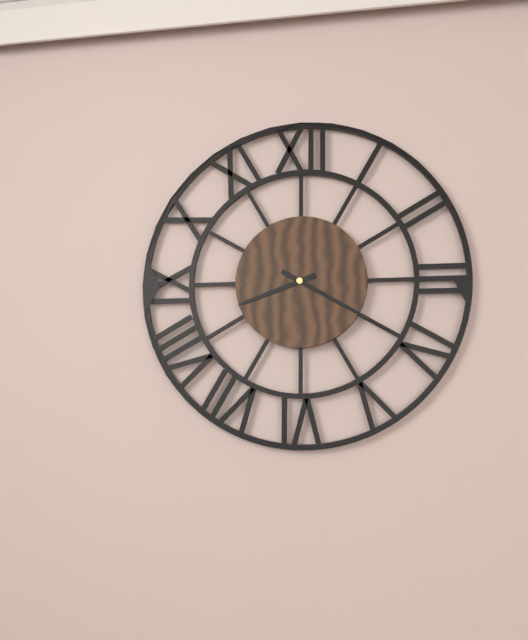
8.20
